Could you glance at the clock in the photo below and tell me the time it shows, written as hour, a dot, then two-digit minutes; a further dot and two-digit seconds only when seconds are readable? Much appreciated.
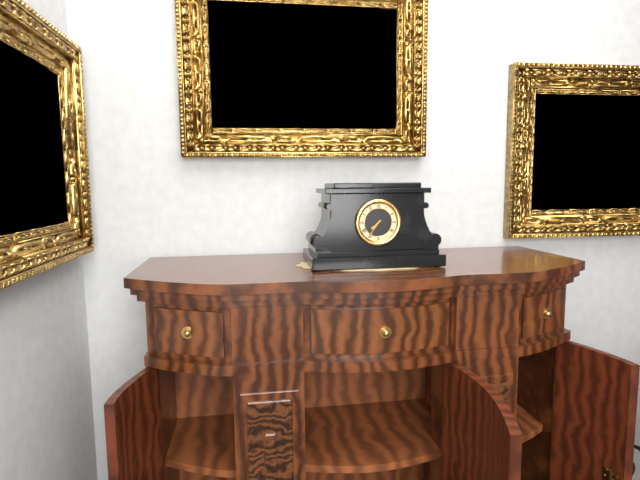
7.36
